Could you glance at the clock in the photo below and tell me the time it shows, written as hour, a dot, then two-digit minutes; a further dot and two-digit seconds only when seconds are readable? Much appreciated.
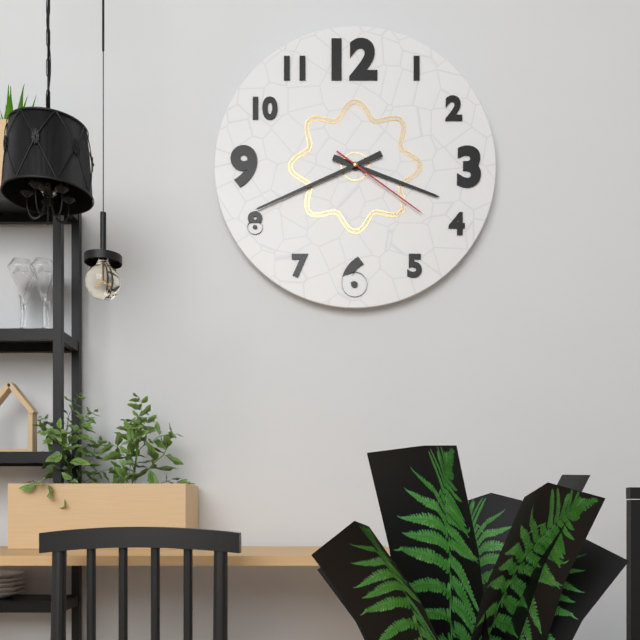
3.41.21
